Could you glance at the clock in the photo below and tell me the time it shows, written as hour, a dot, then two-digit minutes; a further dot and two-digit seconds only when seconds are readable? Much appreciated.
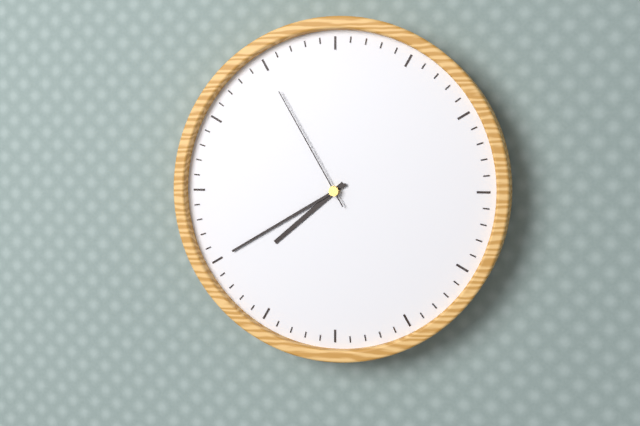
7.40.55
